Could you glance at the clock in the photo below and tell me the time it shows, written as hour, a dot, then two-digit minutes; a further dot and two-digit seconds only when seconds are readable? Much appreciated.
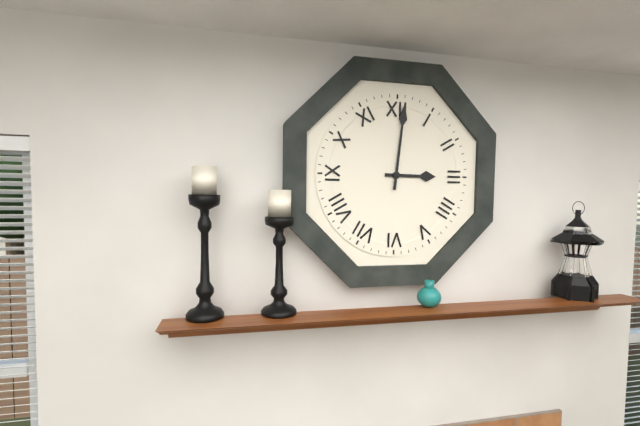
3.01
